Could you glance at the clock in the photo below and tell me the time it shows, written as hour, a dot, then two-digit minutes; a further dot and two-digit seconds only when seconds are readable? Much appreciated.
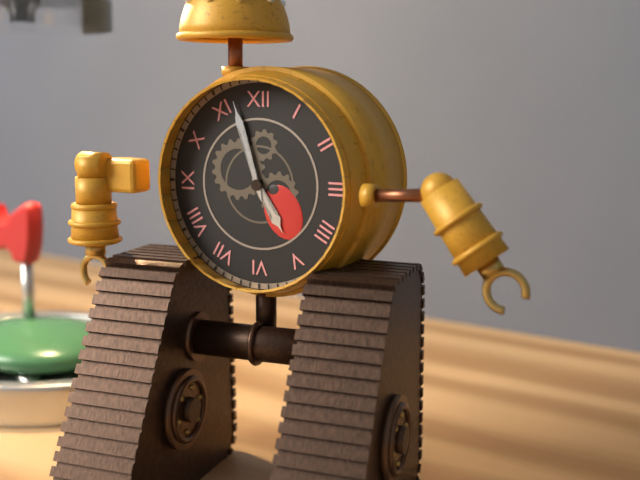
4.57
